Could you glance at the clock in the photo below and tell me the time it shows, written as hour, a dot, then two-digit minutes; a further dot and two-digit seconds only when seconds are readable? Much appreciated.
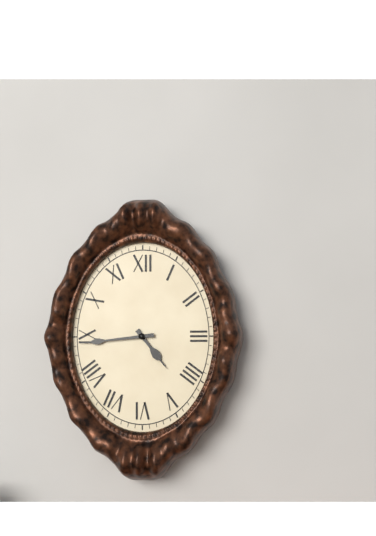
4.44
